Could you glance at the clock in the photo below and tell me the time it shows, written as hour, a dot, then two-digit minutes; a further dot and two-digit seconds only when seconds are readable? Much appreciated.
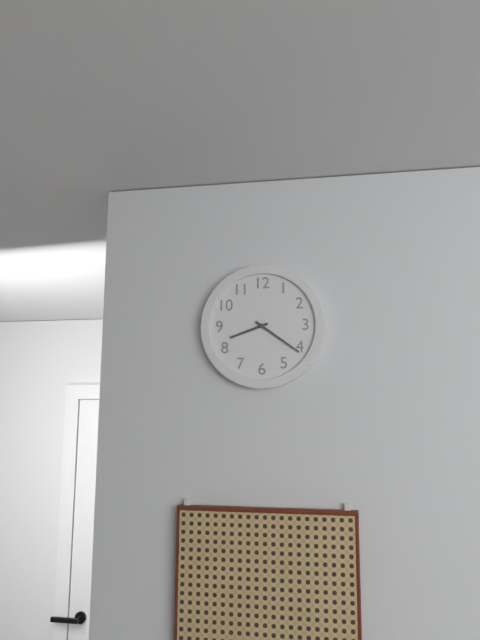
8.21
